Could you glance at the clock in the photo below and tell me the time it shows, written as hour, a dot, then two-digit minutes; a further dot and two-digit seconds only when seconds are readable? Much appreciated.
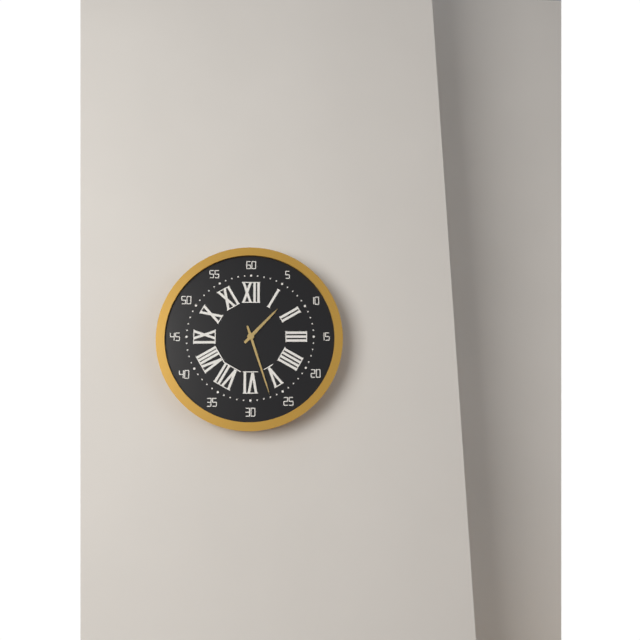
1.27
